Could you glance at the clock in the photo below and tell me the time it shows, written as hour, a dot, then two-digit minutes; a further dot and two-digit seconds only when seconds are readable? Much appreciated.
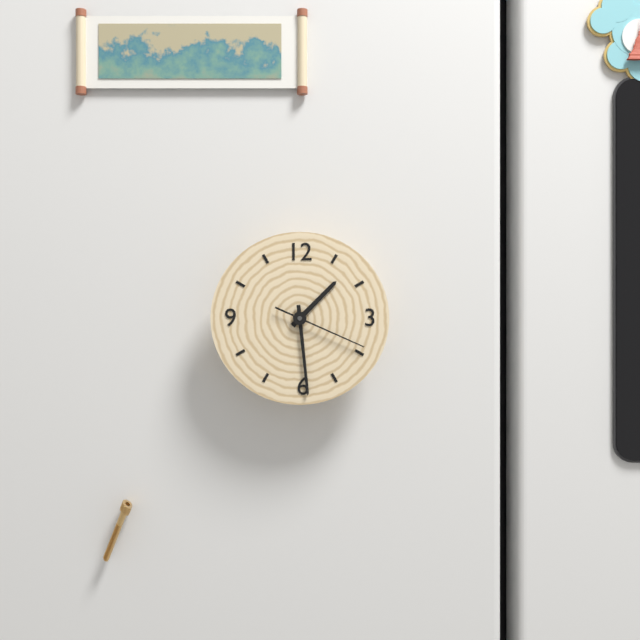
1.29.19
